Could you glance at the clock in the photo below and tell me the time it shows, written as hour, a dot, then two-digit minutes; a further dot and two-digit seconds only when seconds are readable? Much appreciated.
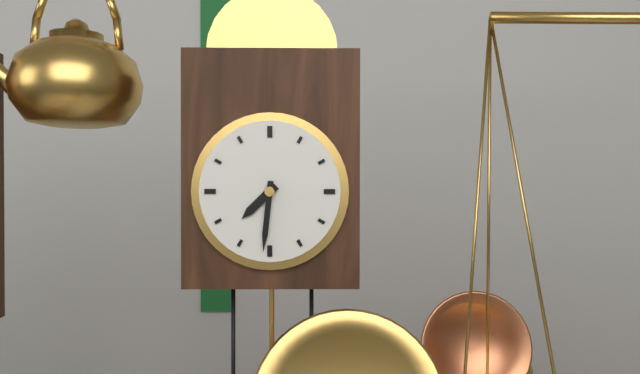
7.31
